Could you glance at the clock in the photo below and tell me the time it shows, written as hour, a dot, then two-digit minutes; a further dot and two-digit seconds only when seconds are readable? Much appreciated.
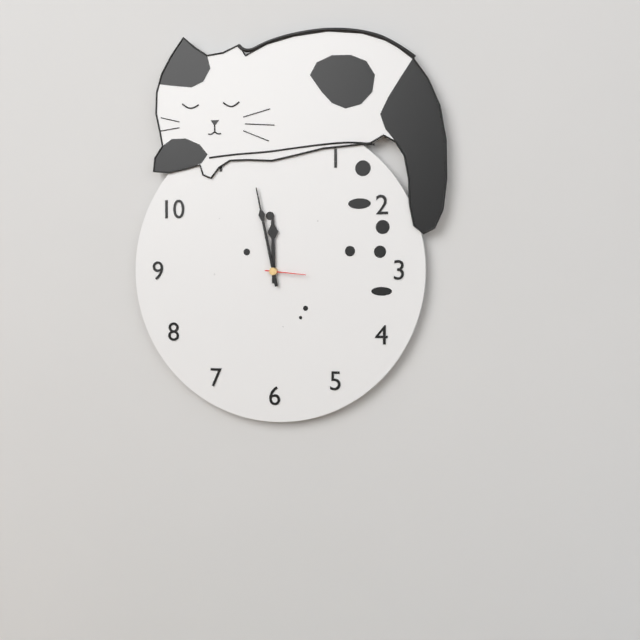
11.58
